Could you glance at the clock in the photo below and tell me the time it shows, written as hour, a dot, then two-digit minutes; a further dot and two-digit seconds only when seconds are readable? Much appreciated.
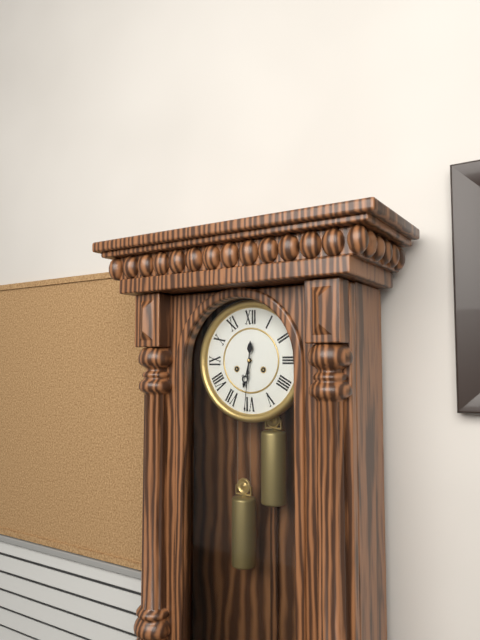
6.31
